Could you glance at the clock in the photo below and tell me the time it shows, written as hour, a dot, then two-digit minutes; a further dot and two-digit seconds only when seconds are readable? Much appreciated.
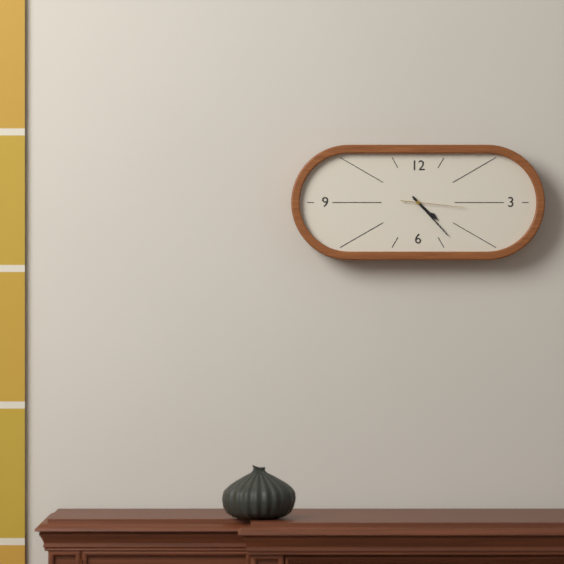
4.23.16
